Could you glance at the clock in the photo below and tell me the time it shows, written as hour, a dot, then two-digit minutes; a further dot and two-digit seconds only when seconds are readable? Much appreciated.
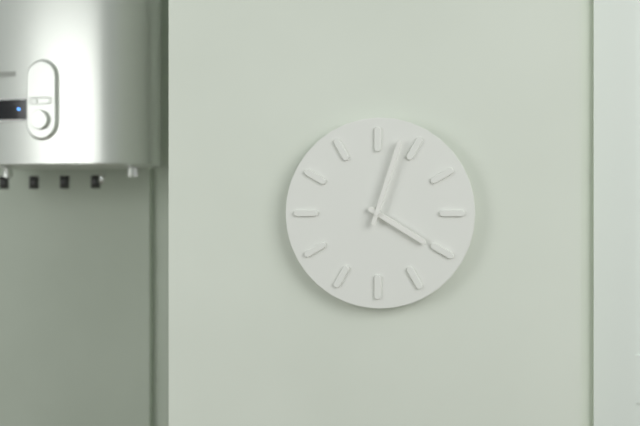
4.03
